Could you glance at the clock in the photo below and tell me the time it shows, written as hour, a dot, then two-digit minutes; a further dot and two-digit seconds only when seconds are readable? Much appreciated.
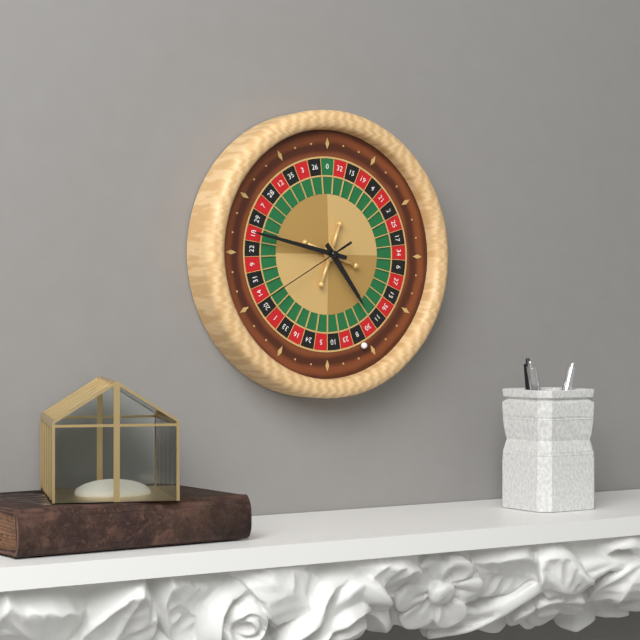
4.47.40
